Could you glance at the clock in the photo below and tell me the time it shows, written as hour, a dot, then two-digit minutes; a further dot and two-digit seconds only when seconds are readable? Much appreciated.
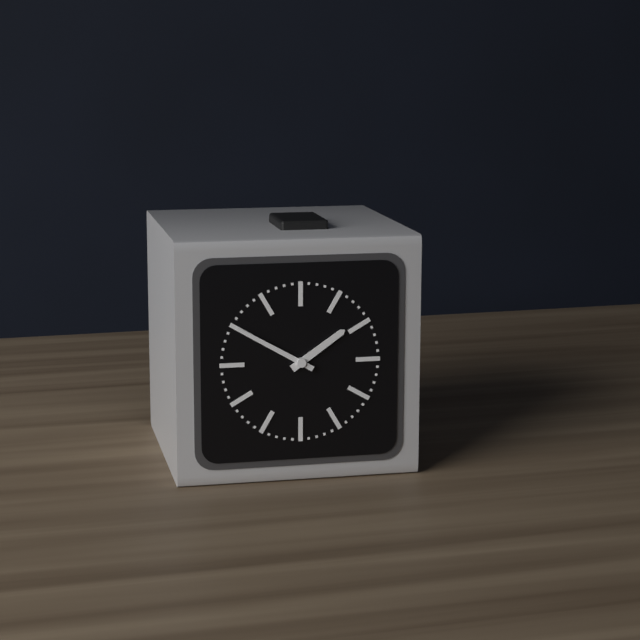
1.50
